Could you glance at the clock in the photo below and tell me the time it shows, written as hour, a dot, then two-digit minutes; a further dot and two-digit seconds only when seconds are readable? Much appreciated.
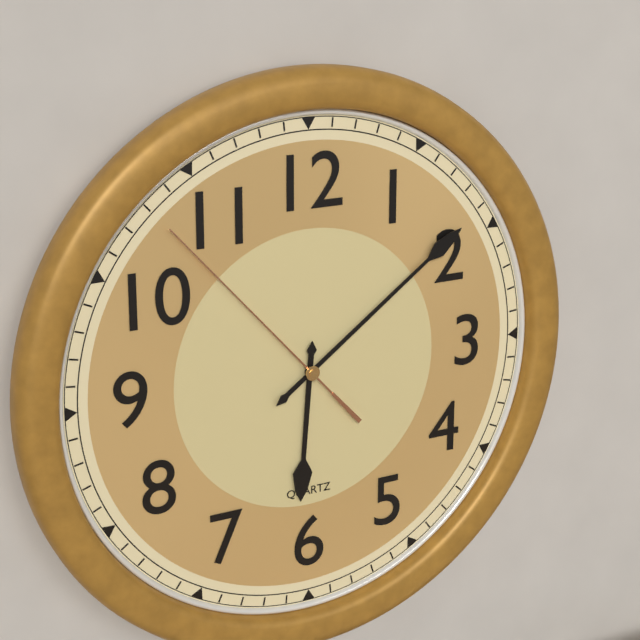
6.09.53
